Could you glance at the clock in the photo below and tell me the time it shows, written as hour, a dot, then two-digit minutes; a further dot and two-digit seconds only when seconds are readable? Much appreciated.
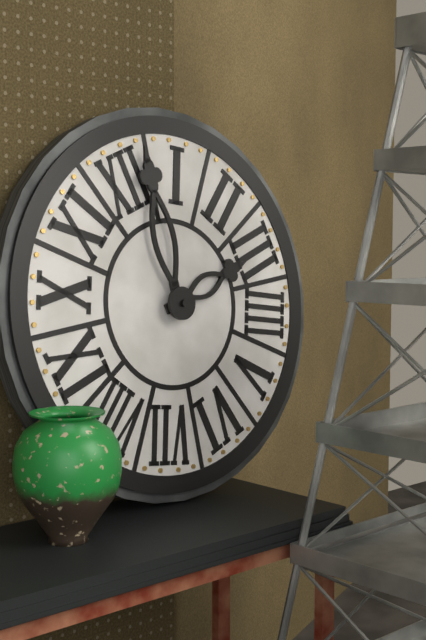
3.02
